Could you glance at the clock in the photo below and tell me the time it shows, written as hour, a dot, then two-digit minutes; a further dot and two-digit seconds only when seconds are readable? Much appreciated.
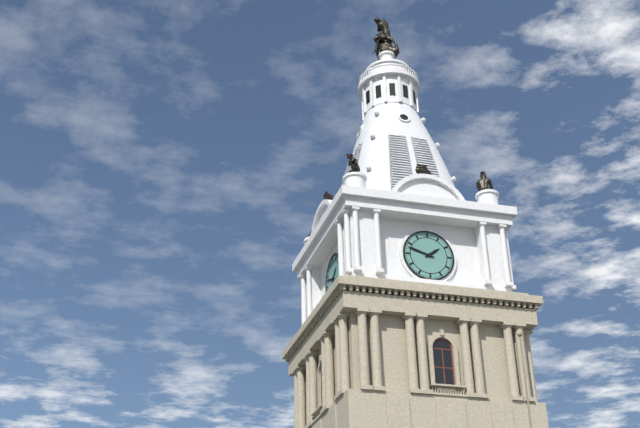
1.48
